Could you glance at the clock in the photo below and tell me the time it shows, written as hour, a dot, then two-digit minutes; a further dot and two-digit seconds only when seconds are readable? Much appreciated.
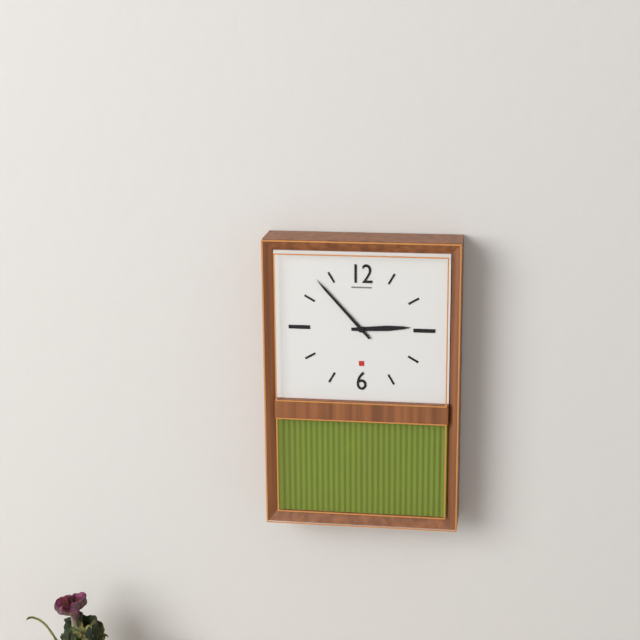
2.53
